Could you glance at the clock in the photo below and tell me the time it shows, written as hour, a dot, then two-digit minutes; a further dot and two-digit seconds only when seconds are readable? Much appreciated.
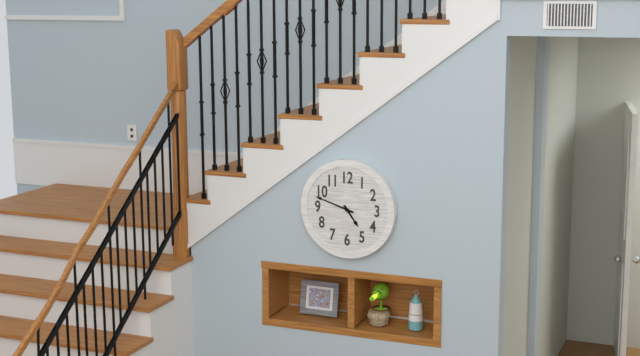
4.48
